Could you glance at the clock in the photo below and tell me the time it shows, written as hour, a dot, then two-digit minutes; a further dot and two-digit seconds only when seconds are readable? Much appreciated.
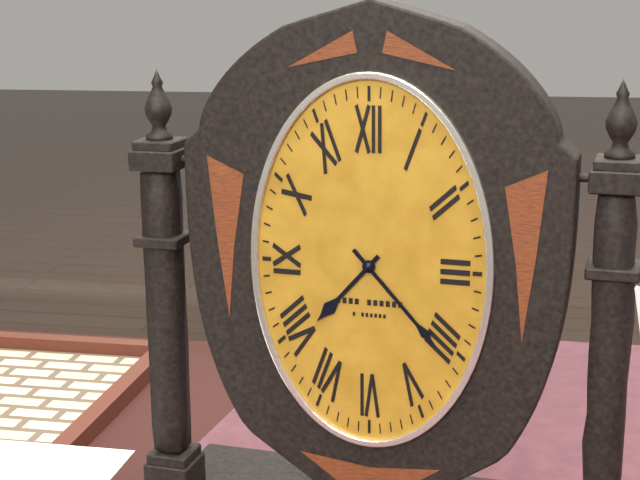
7.23
